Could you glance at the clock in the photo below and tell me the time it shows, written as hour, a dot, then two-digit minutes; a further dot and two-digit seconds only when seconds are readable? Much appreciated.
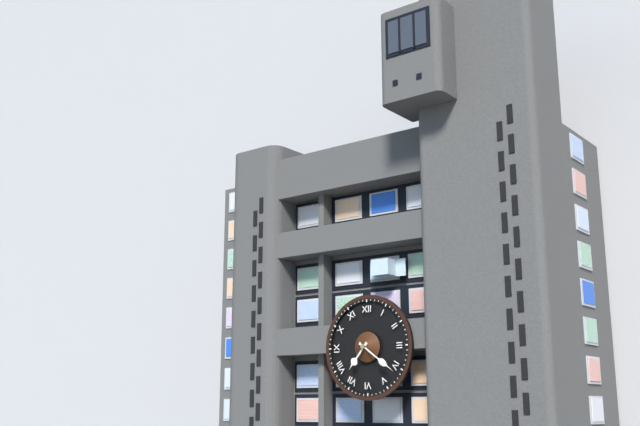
7.21
